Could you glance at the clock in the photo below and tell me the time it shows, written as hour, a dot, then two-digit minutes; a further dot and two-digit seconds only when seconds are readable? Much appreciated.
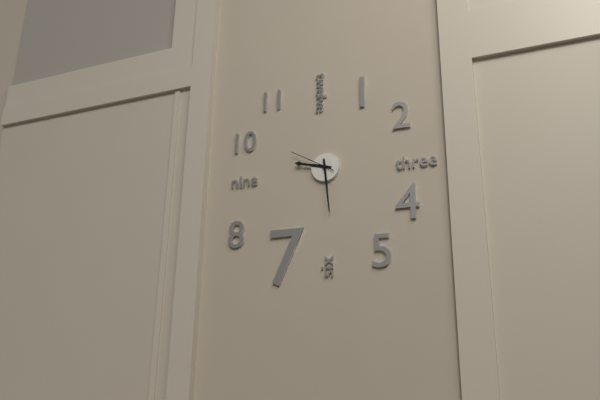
9.29
